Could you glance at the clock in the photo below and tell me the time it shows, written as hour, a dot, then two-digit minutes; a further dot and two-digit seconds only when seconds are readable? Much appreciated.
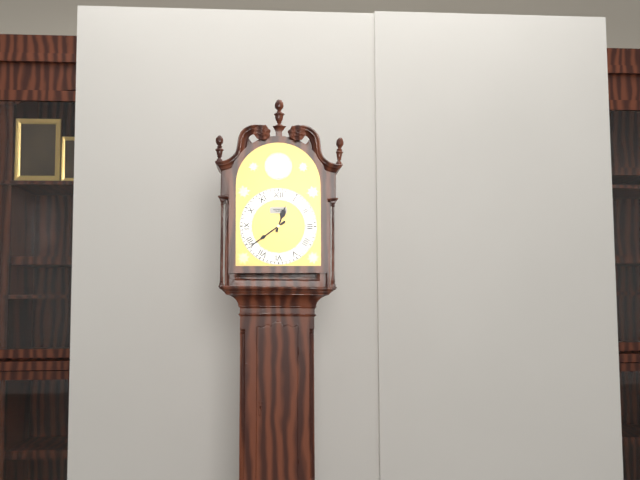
12.39
